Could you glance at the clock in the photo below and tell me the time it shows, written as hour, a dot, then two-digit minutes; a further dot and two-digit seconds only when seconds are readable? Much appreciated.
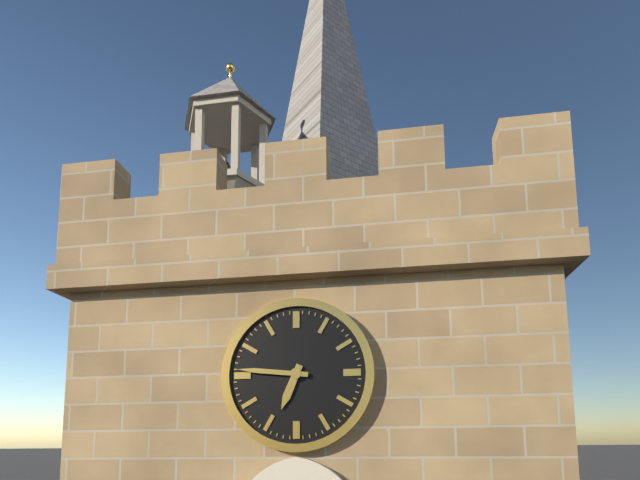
6.46
